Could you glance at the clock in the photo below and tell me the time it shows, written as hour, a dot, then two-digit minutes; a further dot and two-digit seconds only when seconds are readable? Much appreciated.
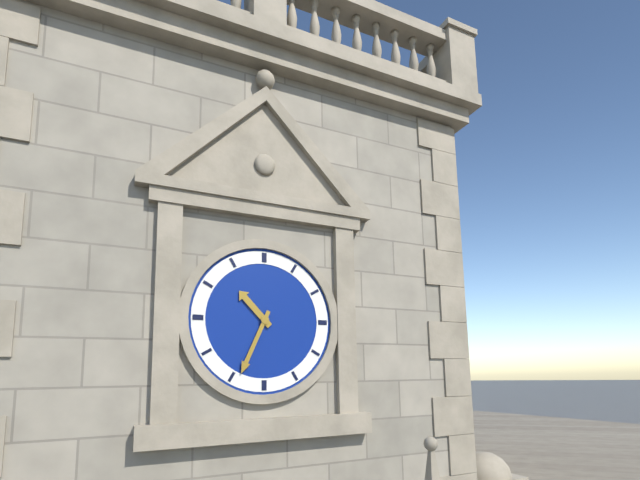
10.34
